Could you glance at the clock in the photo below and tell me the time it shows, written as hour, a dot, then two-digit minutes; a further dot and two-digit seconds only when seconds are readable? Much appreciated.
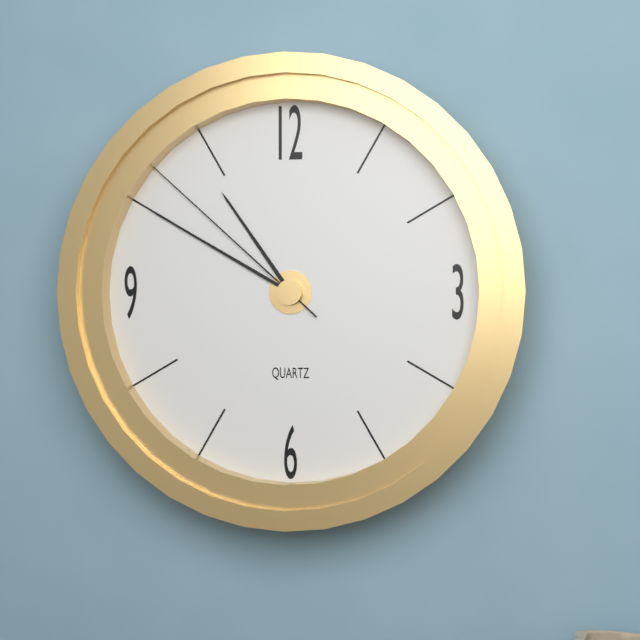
10.50.52
